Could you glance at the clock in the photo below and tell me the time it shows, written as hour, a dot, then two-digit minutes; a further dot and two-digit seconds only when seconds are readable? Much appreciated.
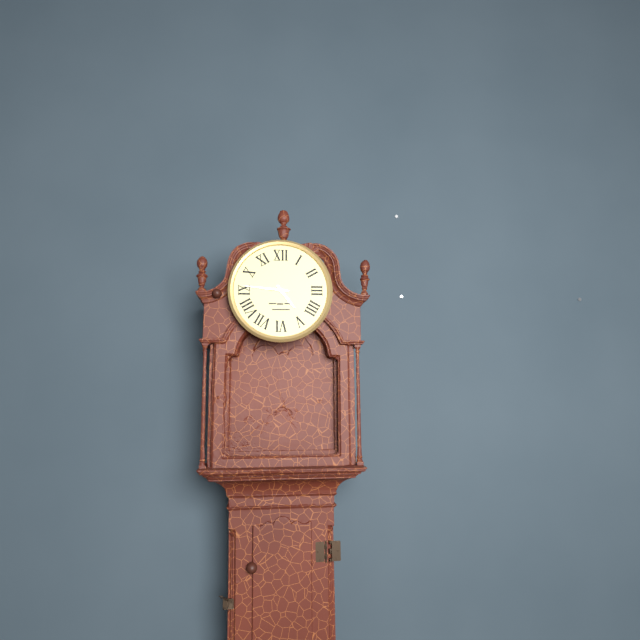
4.46
